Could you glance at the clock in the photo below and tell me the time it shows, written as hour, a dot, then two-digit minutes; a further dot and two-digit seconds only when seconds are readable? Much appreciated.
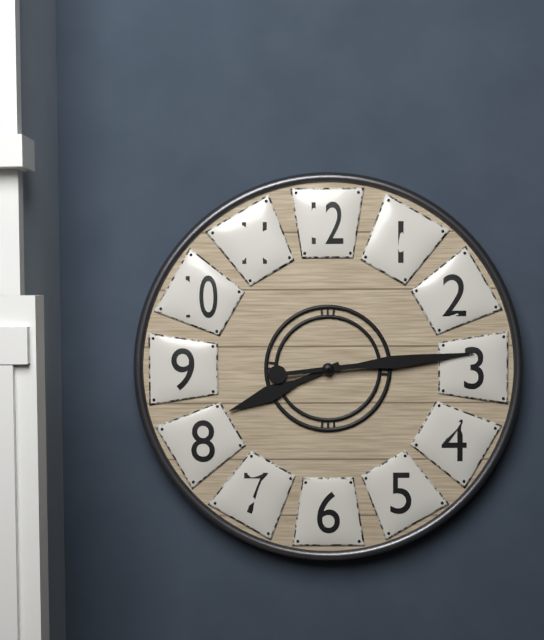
8.14
